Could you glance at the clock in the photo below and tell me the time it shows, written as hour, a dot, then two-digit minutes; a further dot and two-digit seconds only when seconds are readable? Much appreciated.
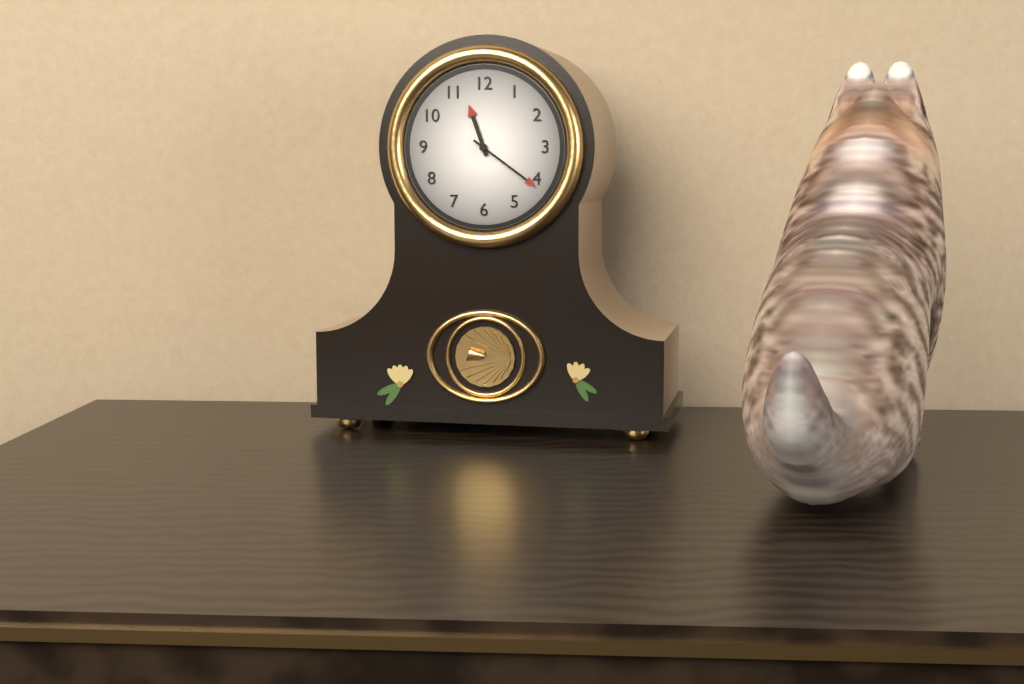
11.21
